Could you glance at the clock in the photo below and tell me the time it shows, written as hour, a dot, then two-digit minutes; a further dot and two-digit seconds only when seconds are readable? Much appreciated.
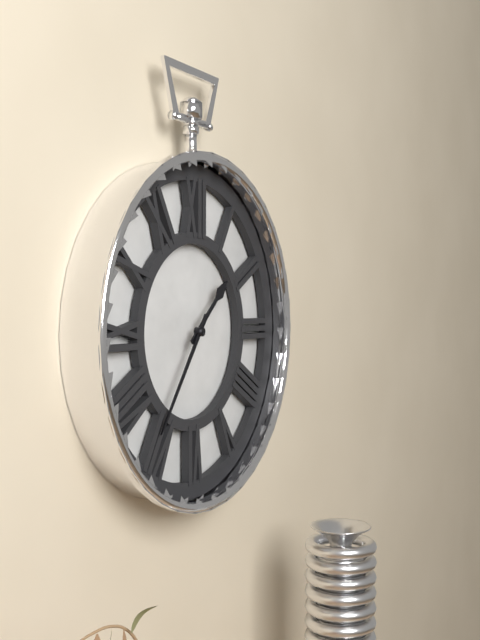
1.36
